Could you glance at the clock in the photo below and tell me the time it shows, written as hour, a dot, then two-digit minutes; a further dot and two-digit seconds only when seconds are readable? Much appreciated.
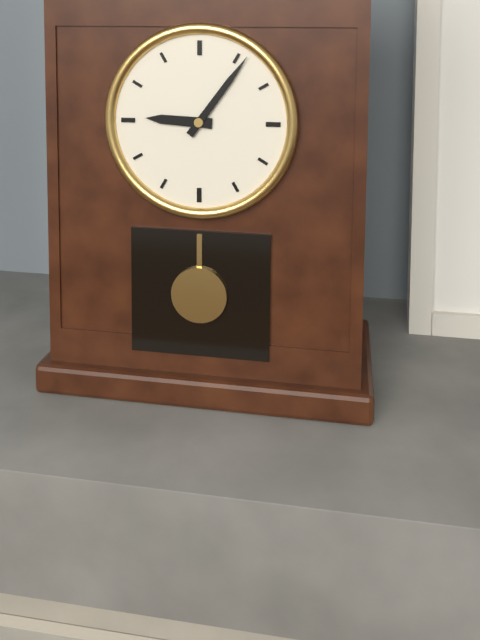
9.06
